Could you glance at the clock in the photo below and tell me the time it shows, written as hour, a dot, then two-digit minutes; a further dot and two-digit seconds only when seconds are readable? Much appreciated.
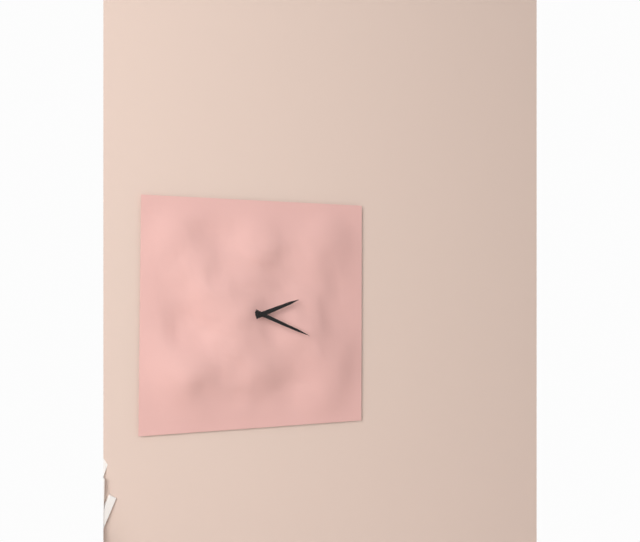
2.19
